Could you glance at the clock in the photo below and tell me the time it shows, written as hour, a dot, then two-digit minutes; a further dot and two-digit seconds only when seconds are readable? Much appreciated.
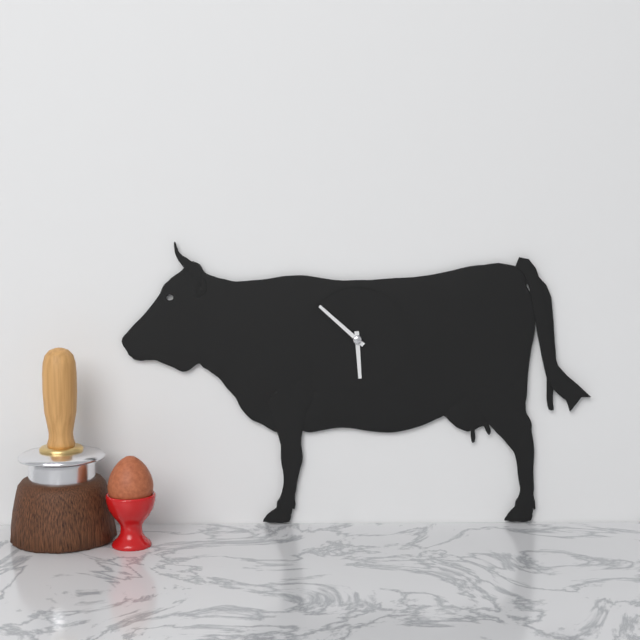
5.52
